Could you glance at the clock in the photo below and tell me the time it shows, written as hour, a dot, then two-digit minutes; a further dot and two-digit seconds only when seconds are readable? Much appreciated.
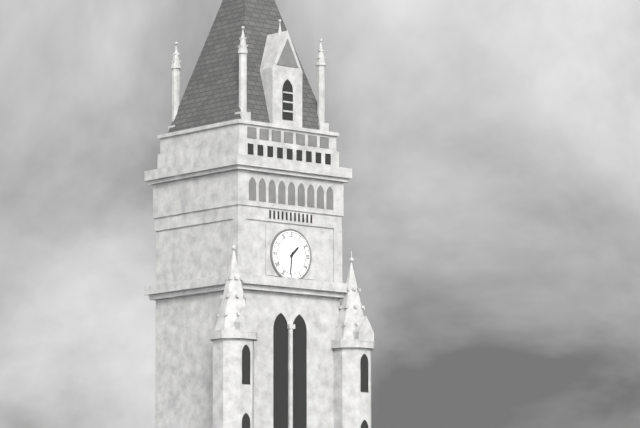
1.31
